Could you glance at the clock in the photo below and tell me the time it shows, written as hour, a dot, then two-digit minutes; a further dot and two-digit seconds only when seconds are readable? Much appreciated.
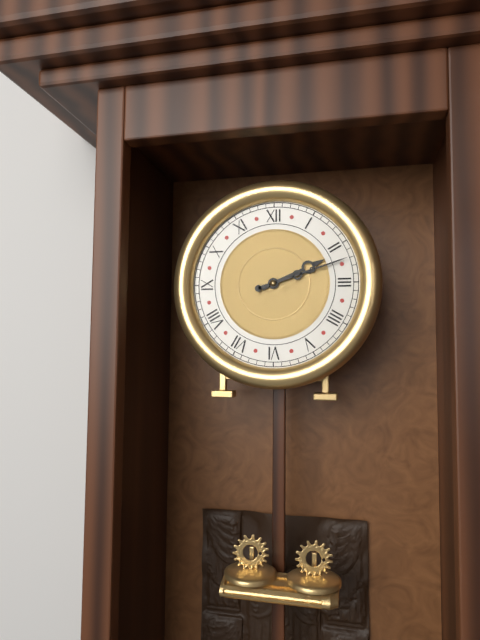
2.12
